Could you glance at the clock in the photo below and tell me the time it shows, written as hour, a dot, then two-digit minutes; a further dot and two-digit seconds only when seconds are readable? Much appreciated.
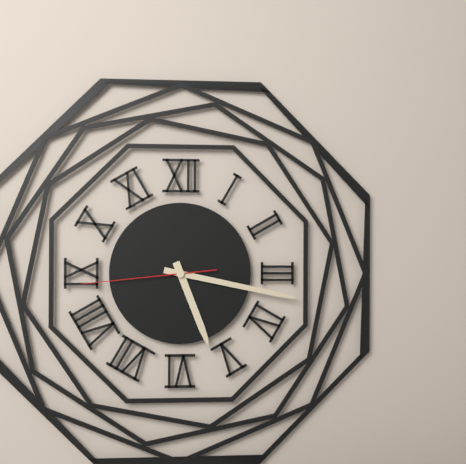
5.17.44
